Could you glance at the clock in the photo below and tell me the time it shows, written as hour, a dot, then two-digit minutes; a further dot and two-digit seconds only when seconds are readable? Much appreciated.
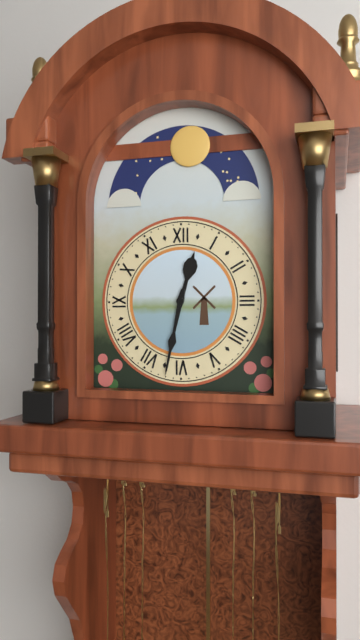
12.32
